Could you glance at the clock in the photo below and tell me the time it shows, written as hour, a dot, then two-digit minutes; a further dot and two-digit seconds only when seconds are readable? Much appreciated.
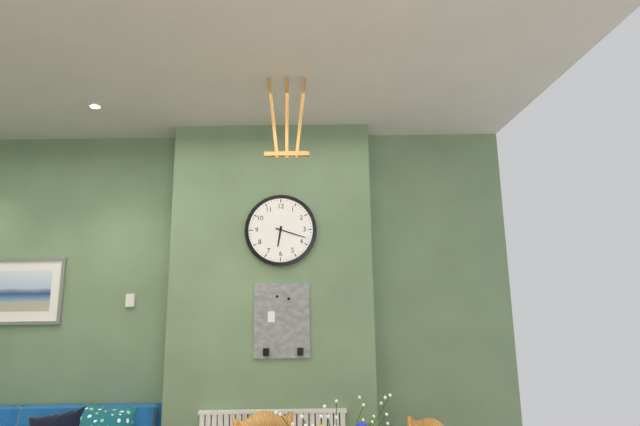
6.18
